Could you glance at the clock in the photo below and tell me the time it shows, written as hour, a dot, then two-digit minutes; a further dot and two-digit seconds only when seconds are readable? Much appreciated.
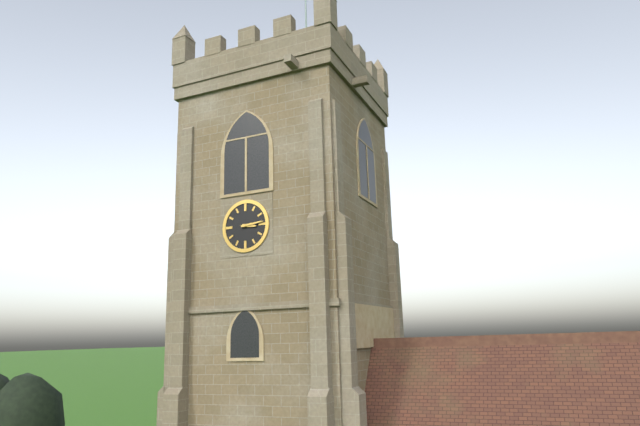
3.14
